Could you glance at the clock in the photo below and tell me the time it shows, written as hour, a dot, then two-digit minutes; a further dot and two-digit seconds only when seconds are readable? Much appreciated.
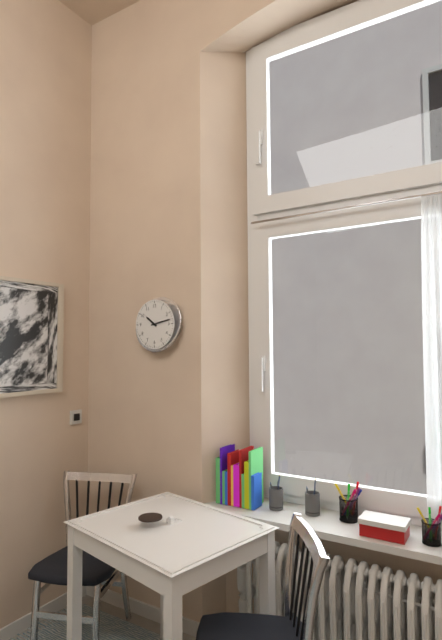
10.13
